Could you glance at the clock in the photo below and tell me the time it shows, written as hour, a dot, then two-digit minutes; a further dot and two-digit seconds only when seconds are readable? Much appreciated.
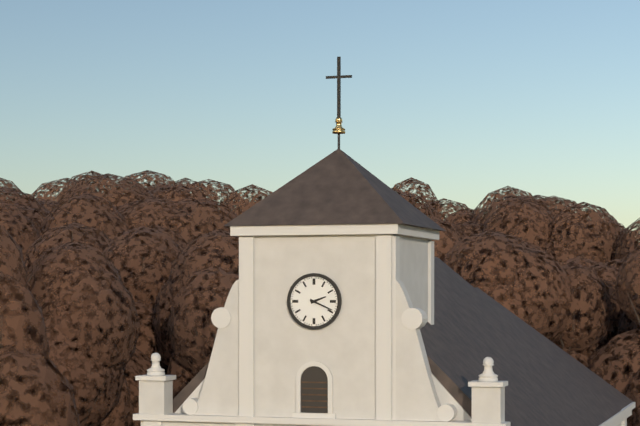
2.19
